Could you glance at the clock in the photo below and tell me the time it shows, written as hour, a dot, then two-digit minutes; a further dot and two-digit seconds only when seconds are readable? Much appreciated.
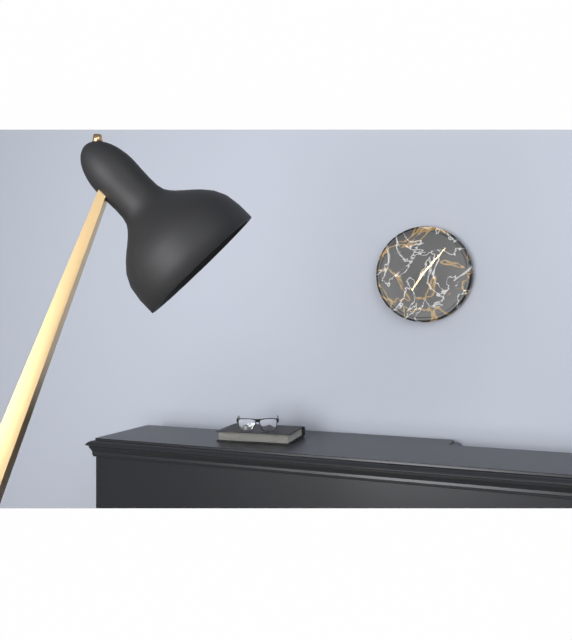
7.07
